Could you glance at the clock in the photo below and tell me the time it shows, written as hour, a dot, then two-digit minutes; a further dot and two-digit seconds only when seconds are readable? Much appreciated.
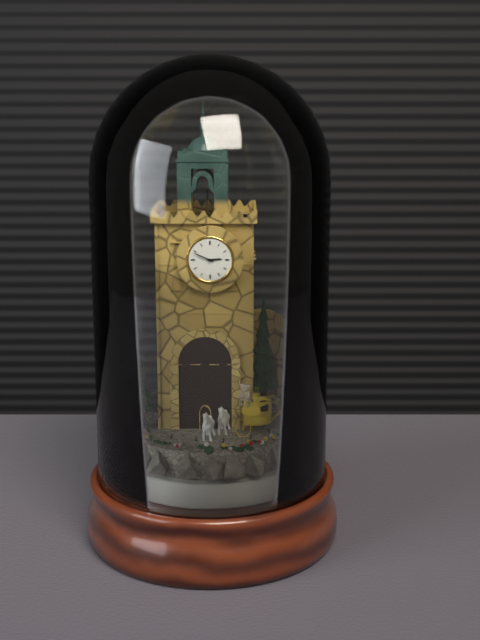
2.49
